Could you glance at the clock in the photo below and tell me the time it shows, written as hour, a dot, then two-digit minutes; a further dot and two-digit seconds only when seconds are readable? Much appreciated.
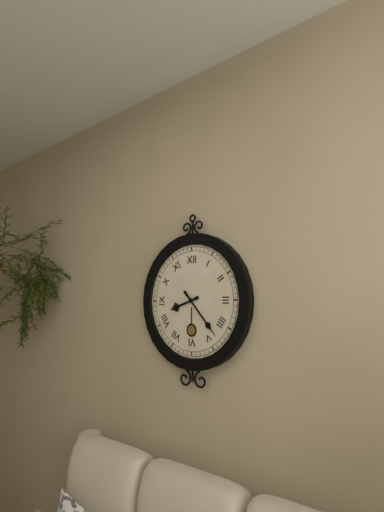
8.23
